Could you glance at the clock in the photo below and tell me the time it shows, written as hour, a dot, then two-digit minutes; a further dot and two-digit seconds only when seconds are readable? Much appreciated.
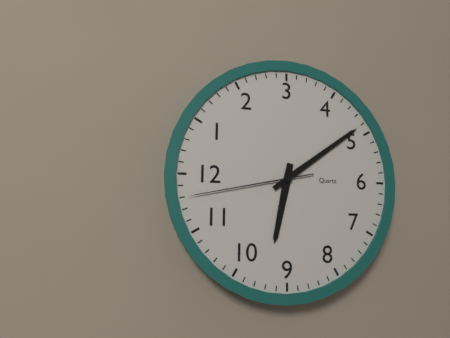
9.24.58
